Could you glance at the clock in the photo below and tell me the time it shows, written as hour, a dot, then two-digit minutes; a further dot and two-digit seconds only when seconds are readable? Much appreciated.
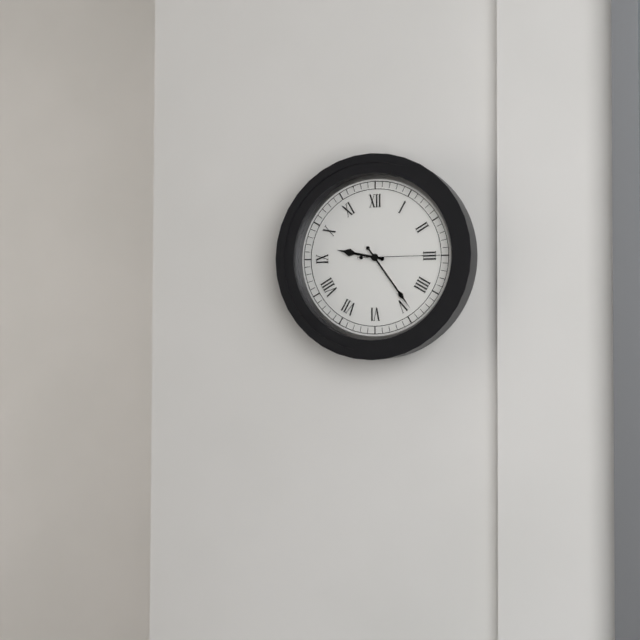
9.24.15
